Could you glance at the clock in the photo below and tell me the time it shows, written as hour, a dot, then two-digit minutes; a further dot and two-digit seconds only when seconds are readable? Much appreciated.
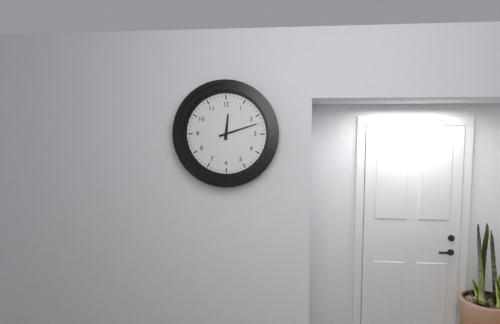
12.12
